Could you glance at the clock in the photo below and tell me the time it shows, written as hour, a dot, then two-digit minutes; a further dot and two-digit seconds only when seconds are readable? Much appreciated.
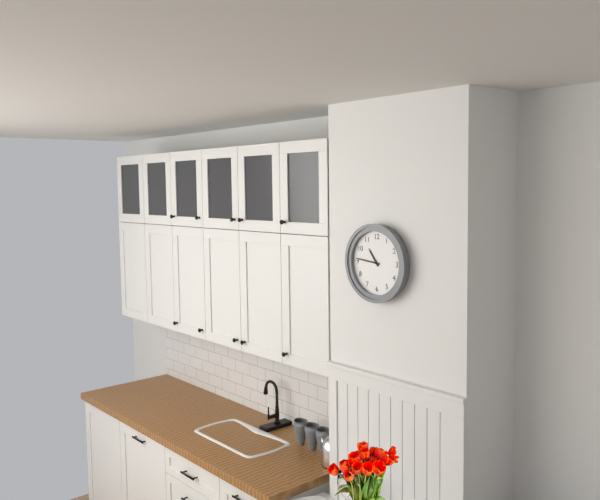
10.46
